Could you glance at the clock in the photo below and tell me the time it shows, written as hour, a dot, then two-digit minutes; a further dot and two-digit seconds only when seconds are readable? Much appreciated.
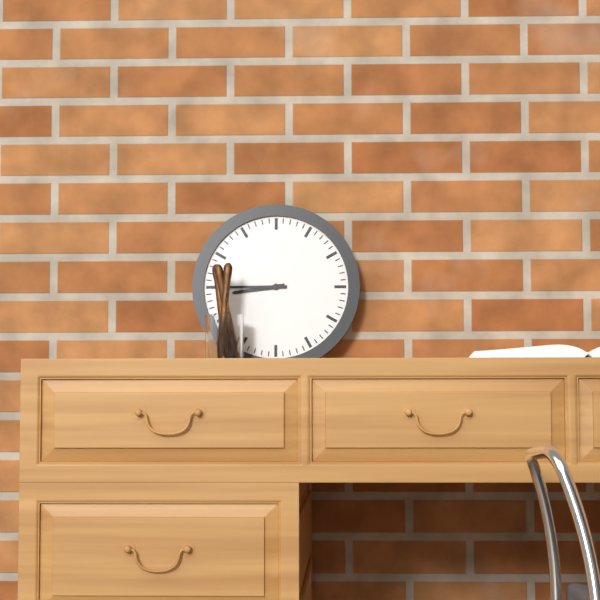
8.45
